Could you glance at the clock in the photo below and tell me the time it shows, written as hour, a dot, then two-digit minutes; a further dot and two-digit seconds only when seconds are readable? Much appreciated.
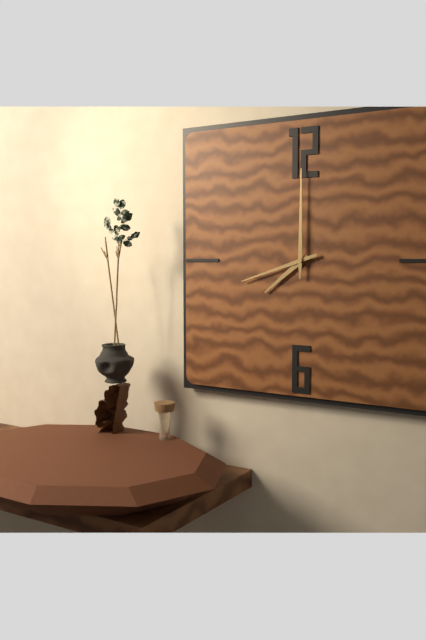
7.42.00
